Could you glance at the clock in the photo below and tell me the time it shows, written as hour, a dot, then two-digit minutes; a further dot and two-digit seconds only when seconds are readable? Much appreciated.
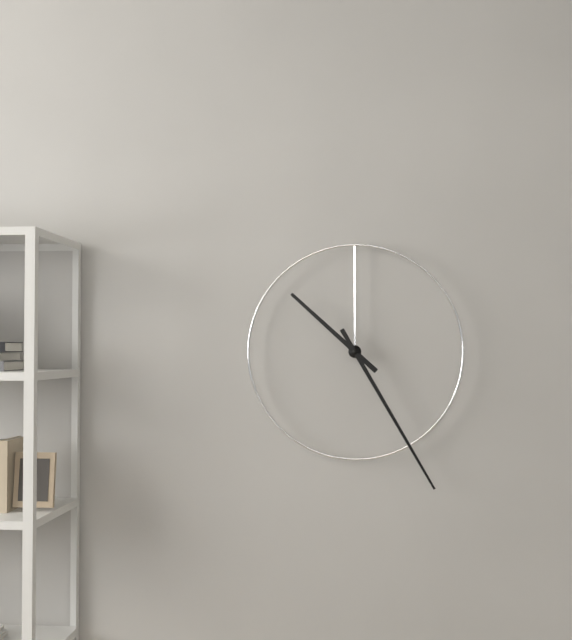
10.25
